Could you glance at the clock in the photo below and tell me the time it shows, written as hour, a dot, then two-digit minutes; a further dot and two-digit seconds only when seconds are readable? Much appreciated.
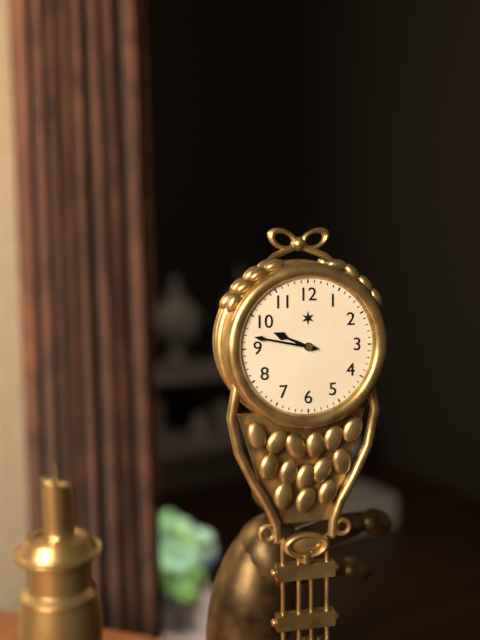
9.47
